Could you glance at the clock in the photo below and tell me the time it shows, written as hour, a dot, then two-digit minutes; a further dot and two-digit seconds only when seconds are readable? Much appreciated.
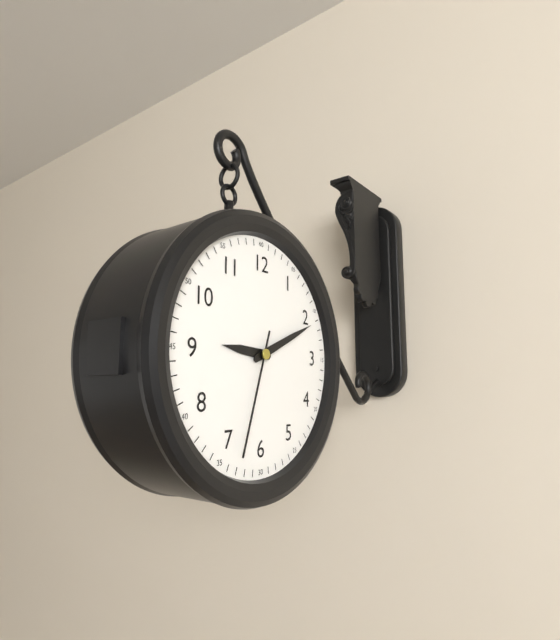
9.11.33
